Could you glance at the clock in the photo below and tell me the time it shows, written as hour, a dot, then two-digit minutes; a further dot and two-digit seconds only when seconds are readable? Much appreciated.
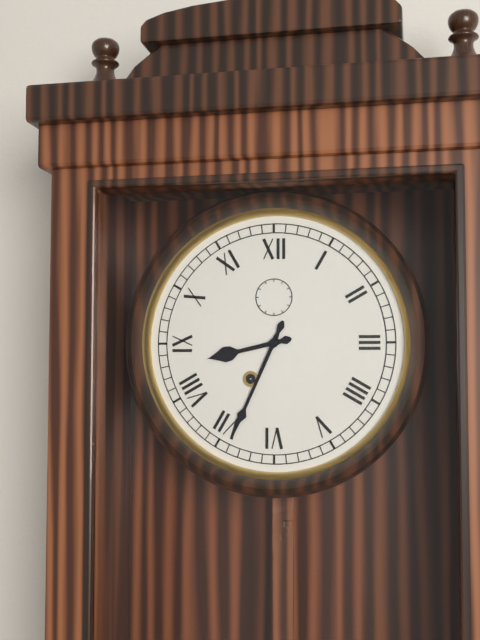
8.34
